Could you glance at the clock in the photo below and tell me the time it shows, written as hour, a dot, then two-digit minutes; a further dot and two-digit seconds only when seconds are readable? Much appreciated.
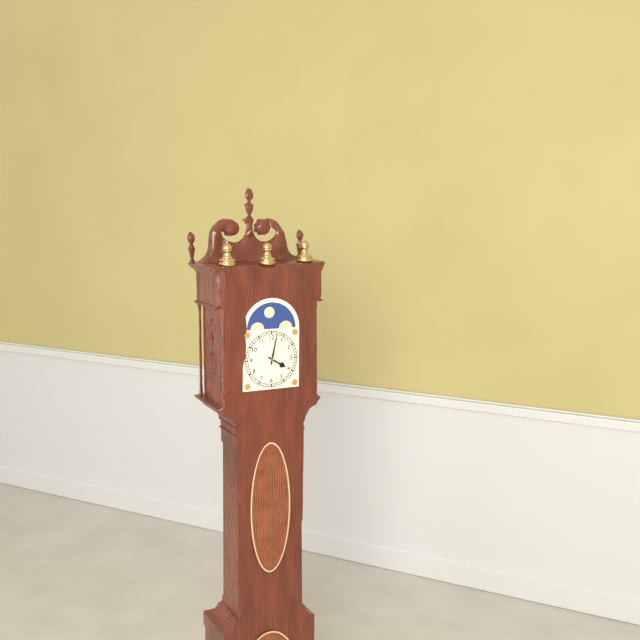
4.02
